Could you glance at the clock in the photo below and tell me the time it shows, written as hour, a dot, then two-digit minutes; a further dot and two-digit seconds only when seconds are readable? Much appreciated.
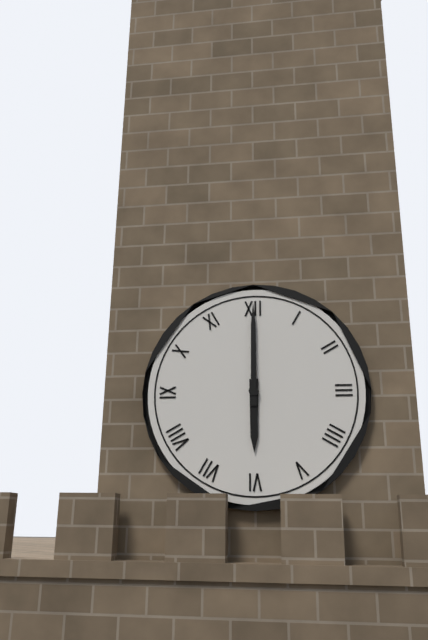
6.00
